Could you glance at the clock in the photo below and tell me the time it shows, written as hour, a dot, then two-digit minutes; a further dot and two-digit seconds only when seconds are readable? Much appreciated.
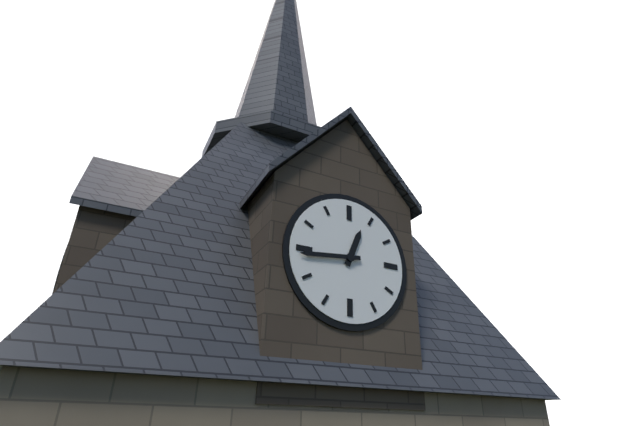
12.44
